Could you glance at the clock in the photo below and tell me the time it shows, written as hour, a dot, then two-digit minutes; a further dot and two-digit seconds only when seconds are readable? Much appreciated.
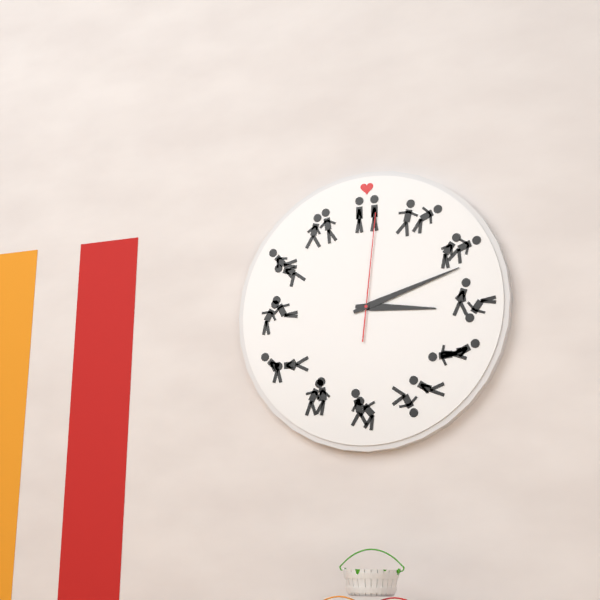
3.12.01
